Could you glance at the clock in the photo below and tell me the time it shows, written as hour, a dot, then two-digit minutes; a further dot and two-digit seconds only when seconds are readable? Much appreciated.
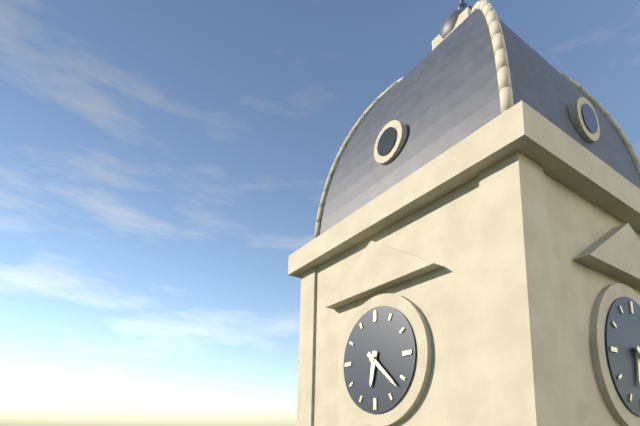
6.22
